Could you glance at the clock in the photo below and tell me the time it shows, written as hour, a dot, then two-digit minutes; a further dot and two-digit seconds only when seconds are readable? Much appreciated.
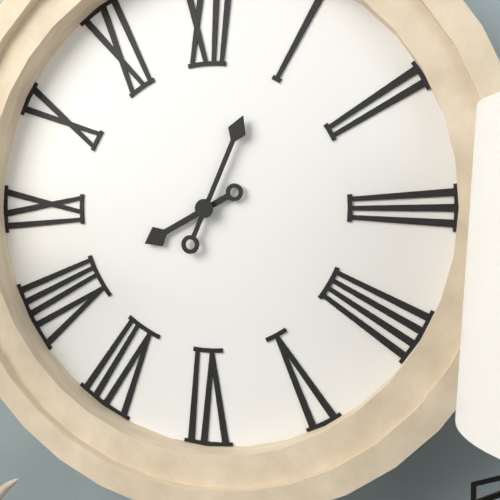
8.04
